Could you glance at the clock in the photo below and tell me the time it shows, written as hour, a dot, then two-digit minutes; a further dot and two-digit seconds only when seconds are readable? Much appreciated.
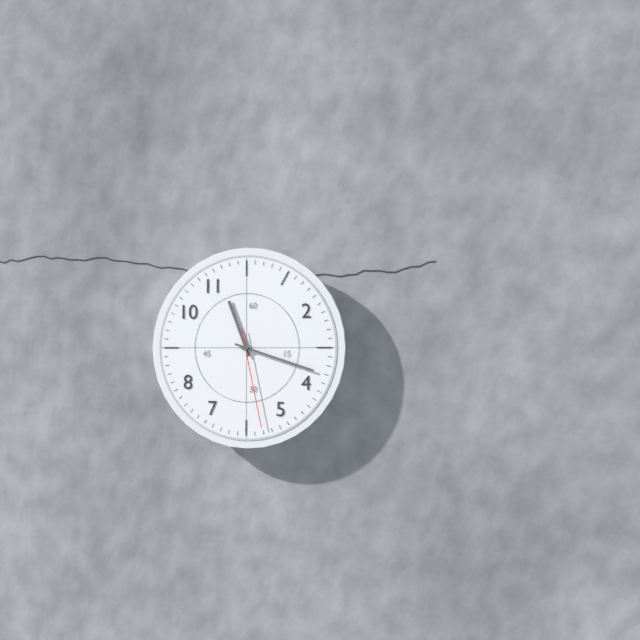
11.18.28
